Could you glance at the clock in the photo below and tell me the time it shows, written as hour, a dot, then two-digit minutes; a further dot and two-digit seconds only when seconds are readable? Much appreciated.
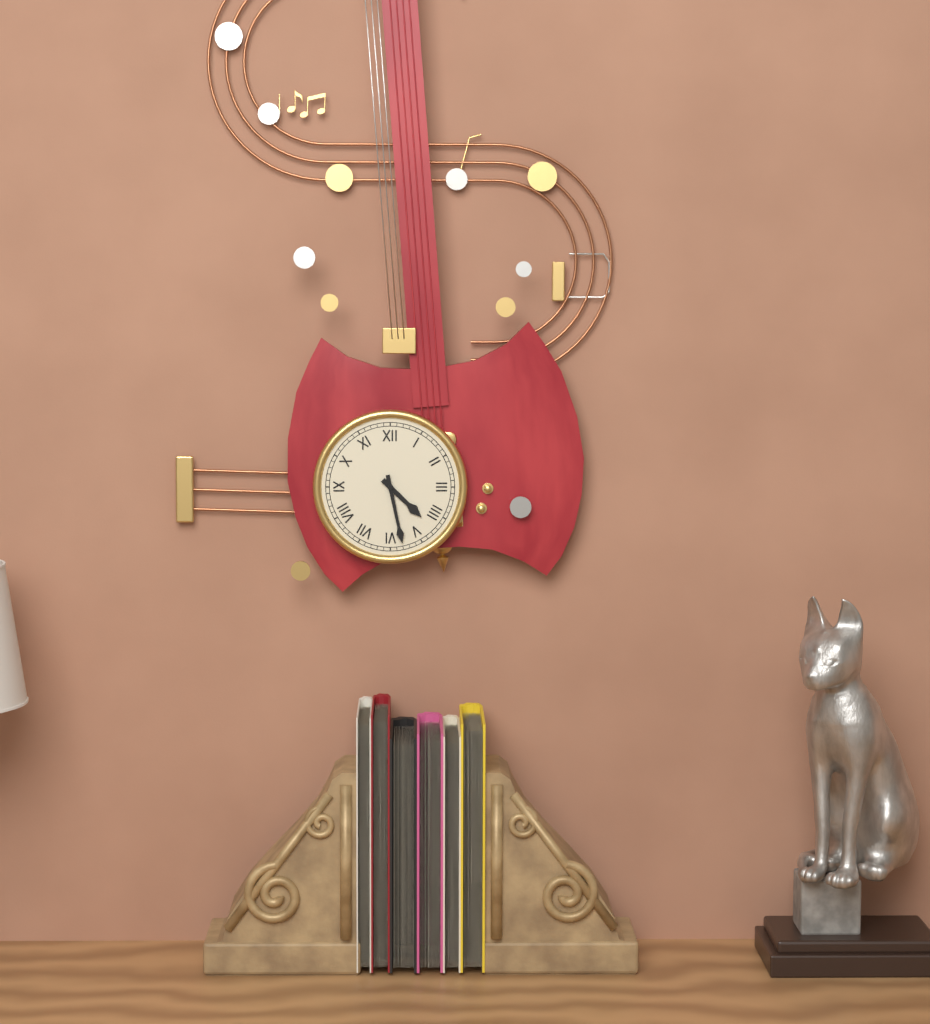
4.28
